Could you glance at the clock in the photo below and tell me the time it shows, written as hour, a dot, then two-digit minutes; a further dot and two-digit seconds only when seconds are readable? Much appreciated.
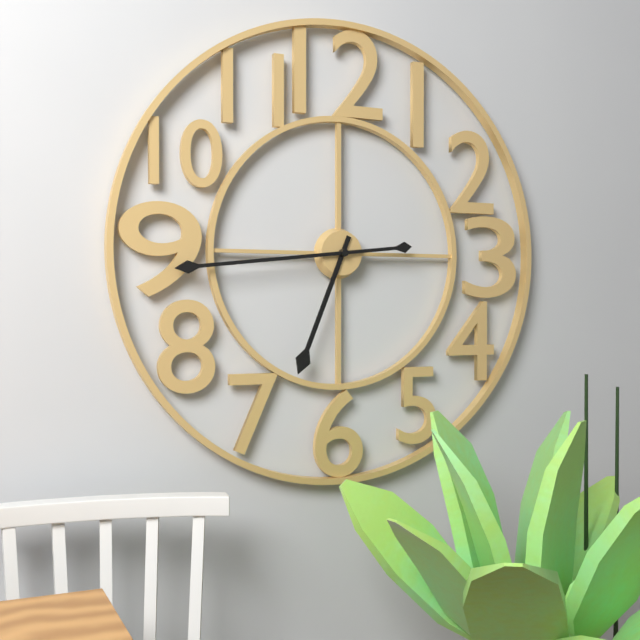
6.44
